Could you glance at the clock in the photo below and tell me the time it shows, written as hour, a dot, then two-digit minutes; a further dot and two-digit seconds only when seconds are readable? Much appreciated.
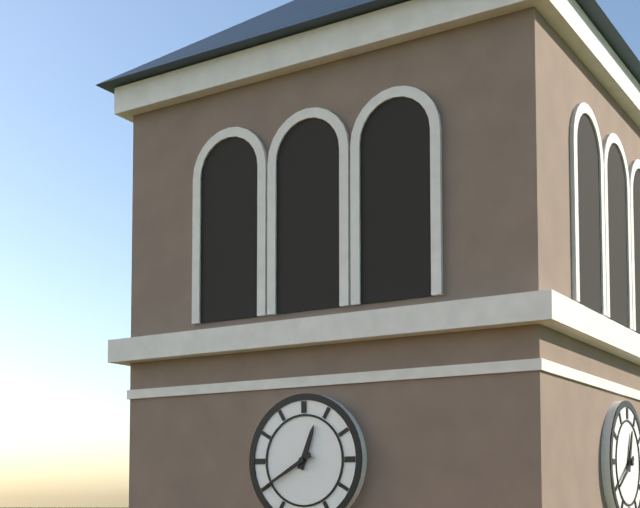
12.40
